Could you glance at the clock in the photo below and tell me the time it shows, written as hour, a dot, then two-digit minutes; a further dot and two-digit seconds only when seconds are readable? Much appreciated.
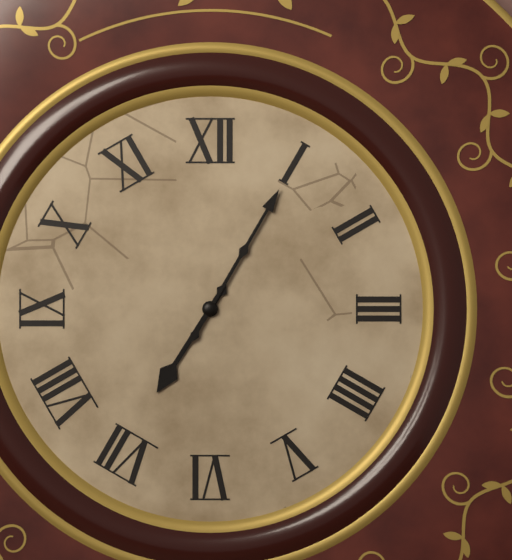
7.05
